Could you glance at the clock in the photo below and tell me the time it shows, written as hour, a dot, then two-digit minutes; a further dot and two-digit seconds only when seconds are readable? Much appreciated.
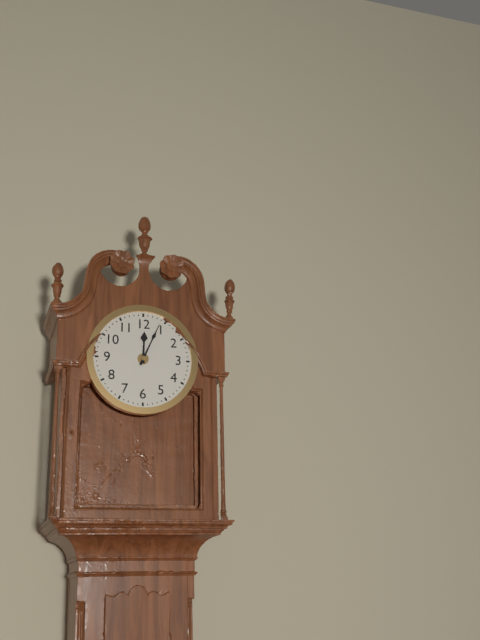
12.04
